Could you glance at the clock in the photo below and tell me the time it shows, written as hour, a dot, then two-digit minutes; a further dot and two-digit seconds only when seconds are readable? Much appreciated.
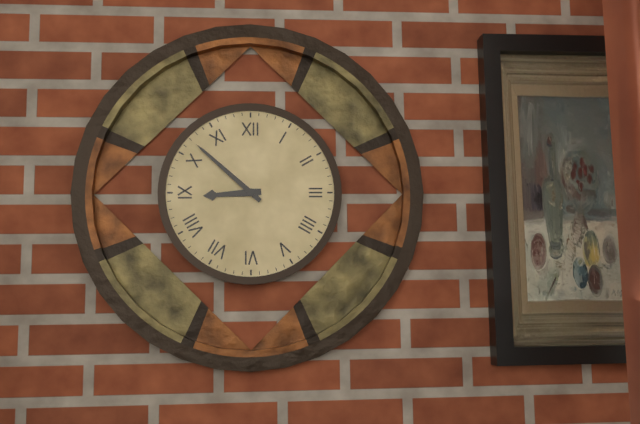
8.52
